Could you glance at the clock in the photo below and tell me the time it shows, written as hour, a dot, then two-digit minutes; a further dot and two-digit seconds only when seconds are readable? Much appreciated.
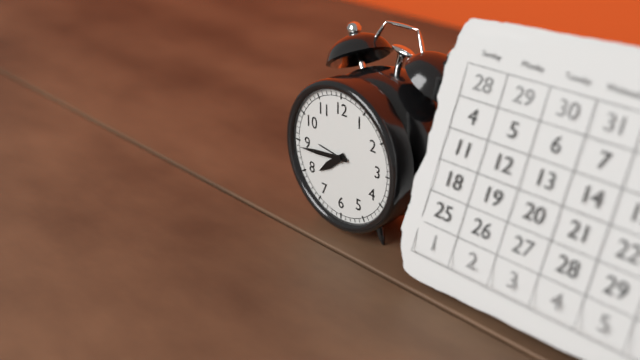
7.44
